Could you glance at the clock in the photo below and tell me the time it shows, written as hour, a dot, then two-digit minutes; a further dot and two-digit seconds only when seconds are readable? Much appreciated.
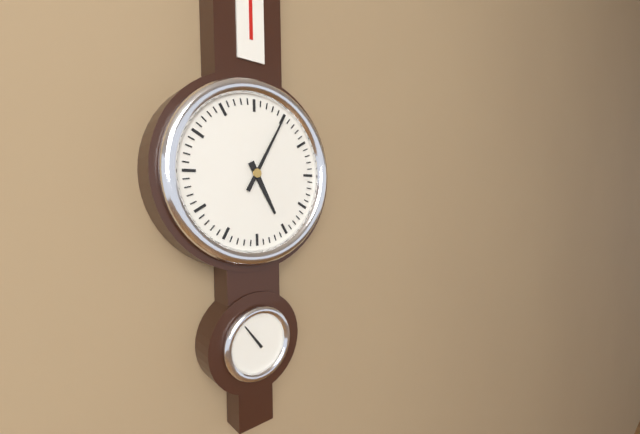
5.05
